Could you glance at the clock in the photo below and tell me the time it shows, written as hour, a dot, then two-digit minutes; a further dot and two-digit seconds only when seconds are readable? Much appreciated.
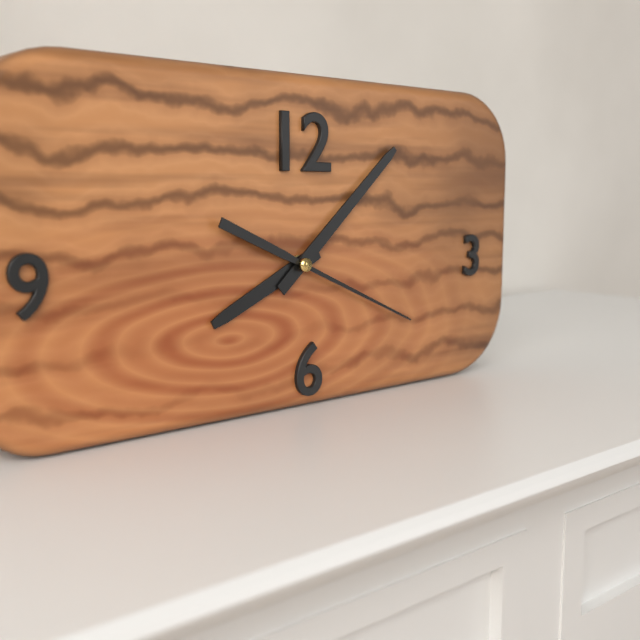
8.08.19
